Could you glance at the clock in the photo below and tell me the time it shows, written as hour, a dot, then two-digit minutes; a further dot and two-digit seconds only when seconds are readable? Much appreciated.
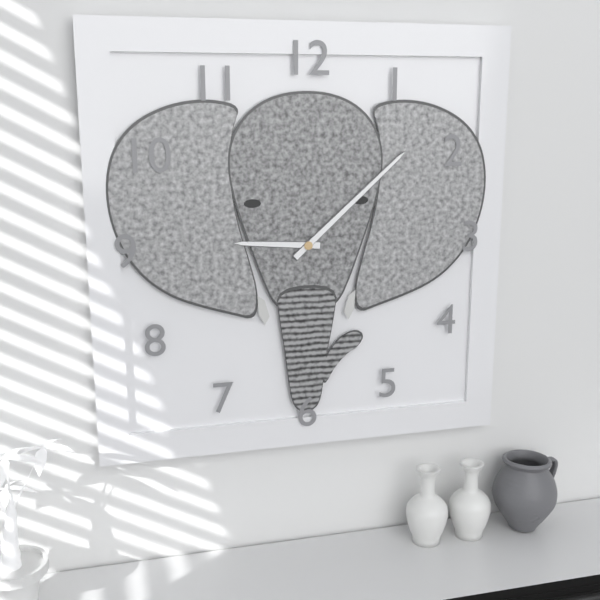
9.08
